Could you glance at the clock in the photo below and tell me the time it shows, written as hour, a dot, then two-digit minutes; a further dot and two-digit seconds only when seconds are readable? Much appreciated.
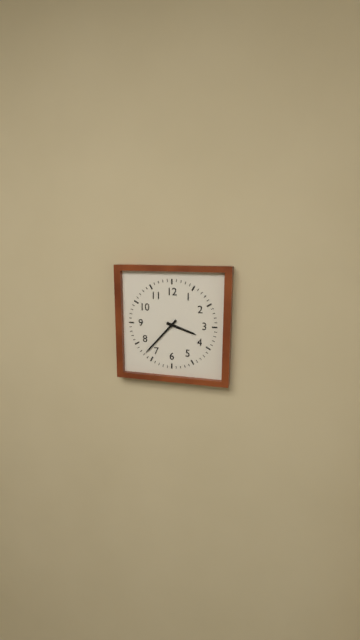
3.37
